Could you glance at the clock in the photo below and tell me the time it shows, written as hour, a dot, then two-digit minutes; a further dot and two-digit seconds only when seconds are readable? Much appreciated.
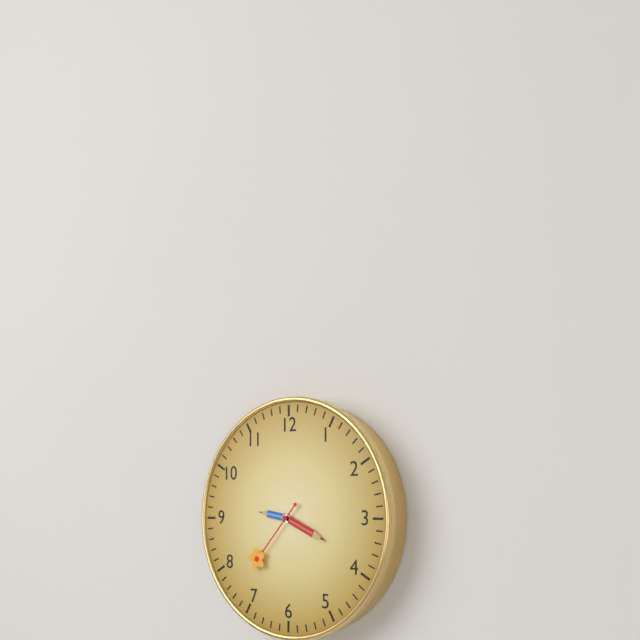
9.19.37
